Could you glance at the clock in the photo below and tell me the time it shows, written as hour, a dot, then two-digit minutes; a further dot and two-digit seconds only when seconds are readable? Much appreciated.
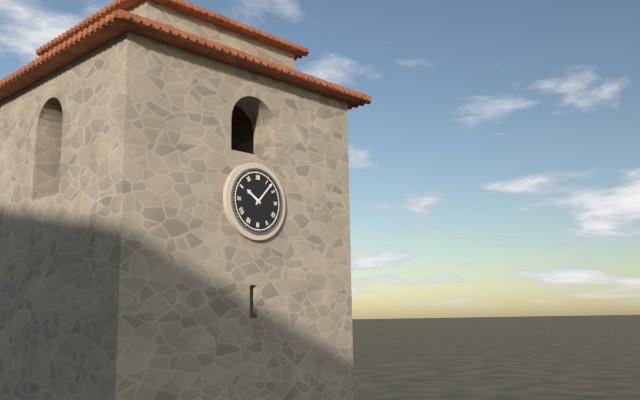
10.07
